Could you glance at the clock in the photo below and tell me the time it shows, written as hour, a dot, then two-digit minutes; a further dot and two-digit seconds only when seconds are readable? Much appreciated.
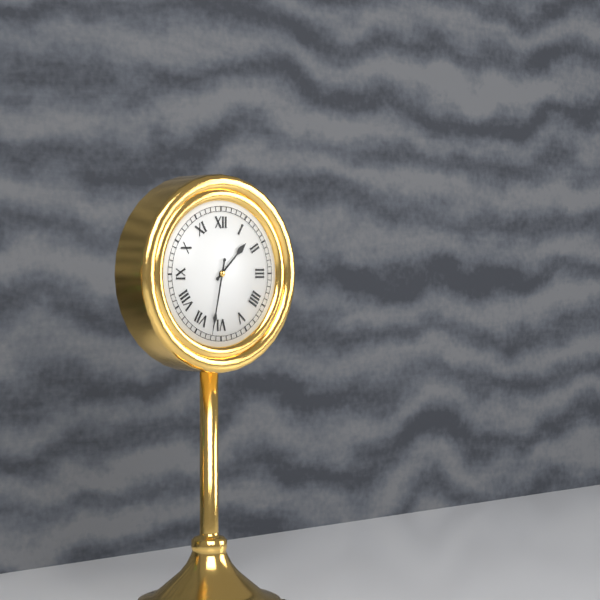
1.32
